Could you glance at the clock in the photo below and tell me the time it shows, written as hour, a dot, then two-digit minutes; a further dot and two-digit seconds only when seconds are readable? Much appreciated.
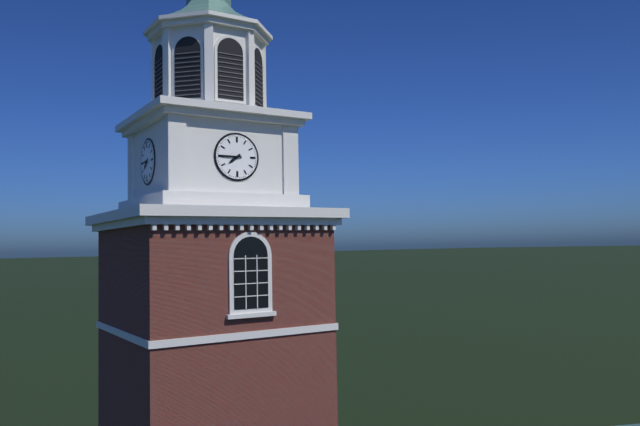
7.45
